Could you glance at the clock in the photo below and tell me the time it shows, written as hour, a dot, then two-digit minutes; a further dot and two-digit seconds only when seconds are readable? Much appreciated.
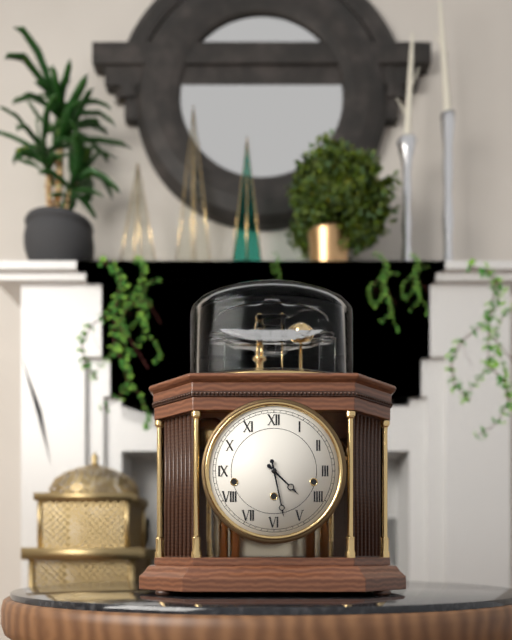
4.28
